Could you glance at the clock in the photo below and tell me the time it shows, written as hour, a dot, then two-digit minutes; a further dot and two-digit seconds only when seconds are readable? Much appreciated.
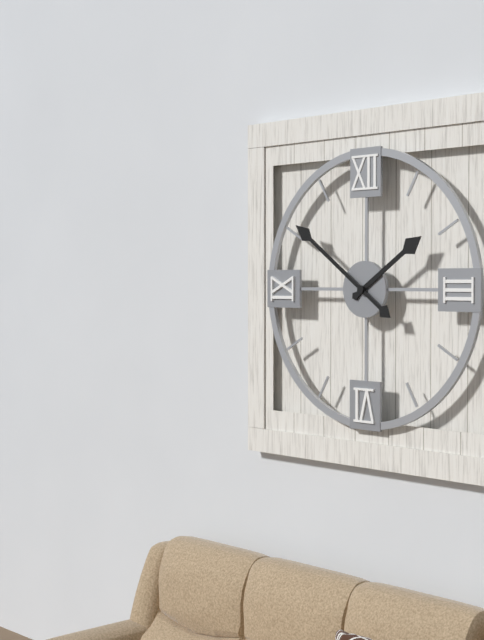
1.51
